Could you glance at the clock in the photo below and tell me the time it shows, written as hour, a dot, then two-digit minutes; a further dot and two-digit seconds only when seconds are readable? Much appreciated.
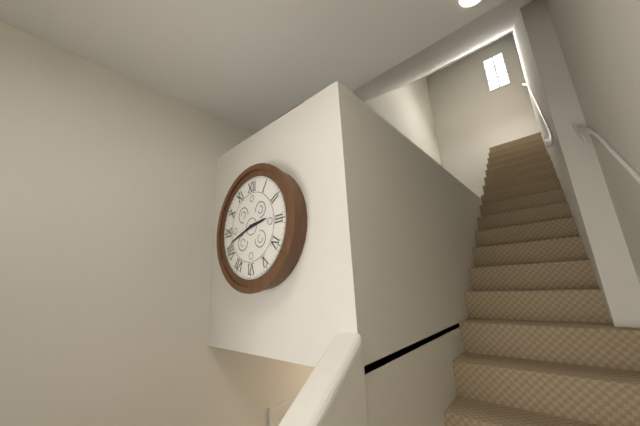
2.42
